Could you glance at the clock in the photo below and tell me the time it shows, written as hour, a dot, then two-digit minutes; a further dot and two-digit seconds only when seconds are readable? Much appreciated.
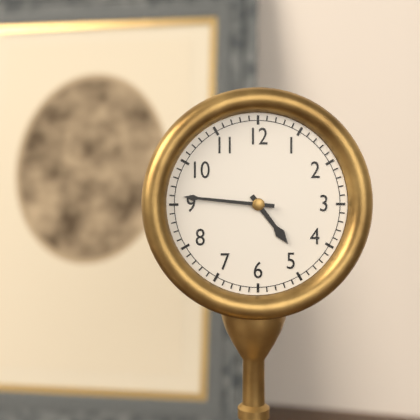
4.46
